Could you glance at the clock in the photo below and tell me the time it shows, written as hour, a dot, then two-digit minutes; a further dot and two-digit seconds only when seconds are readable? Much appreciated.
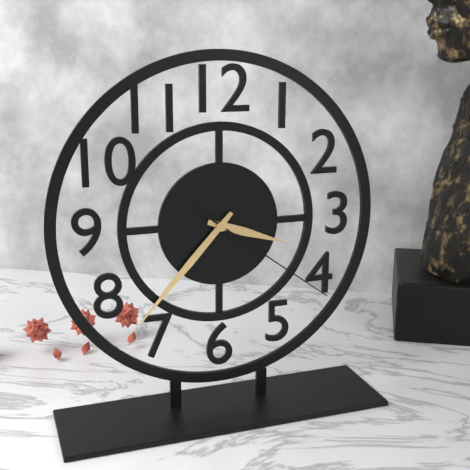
3.37.21
